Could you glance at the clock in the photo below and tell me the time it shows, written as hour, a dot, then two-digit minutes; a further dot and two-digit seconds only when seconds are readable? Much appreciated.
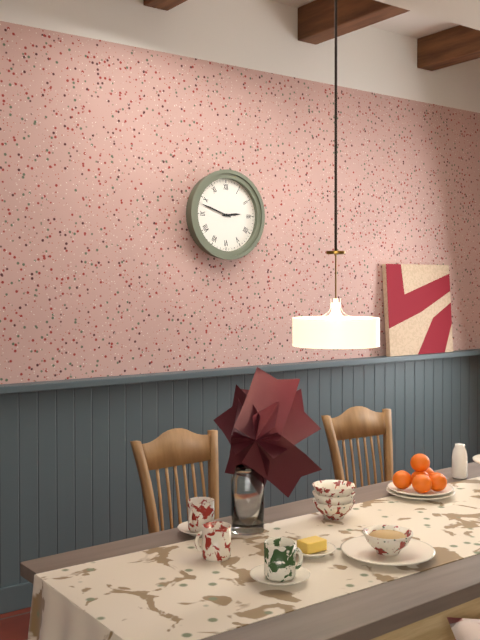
2.48
